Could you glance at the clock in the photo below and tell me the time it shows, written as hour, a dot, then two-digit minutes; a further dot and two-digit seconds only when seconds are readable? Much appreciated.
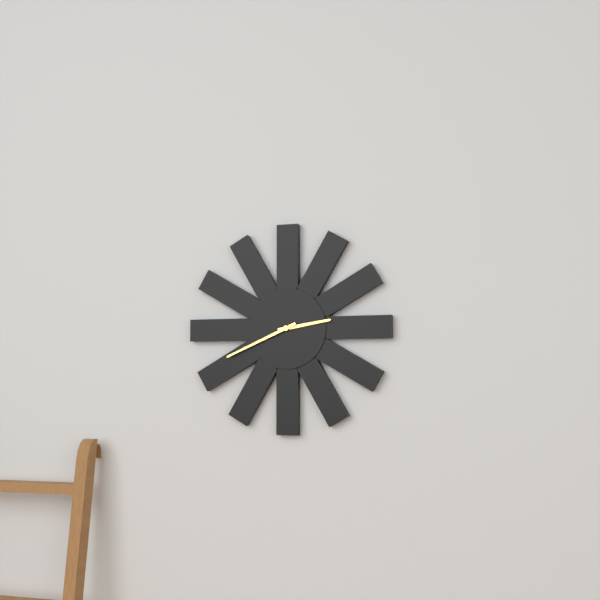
2.41
